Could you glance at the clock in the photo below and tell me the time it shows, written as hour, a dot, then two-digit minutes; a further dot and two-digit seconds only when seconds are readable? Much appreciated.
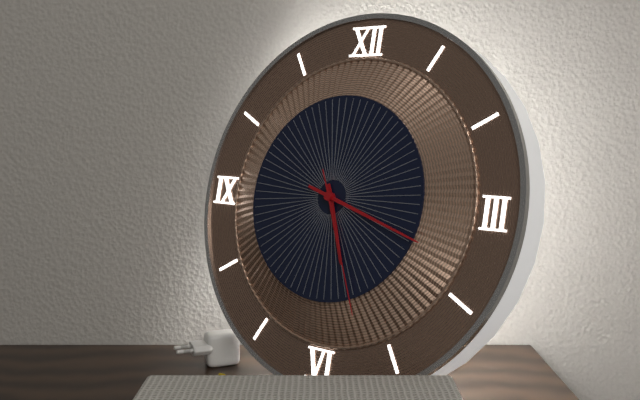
5.18.26
